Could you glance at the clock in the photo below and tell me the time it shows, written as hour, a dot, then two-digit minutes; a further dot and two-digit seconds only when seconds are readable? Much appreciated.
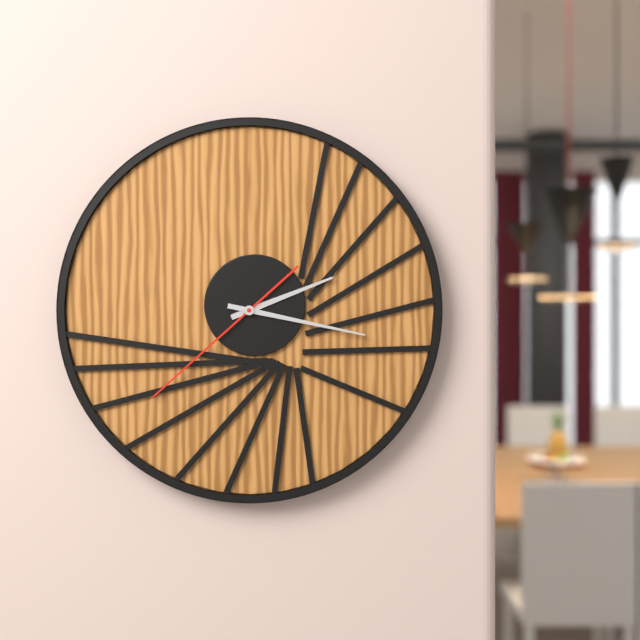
2.17.38
